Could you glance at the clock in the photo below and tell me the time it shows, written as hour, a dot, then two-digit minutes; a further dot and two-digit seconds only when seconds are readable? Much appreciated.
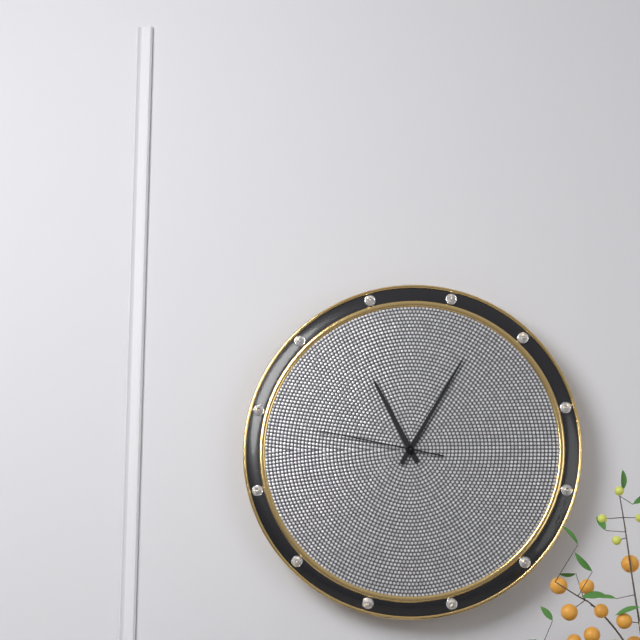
11.05.47
